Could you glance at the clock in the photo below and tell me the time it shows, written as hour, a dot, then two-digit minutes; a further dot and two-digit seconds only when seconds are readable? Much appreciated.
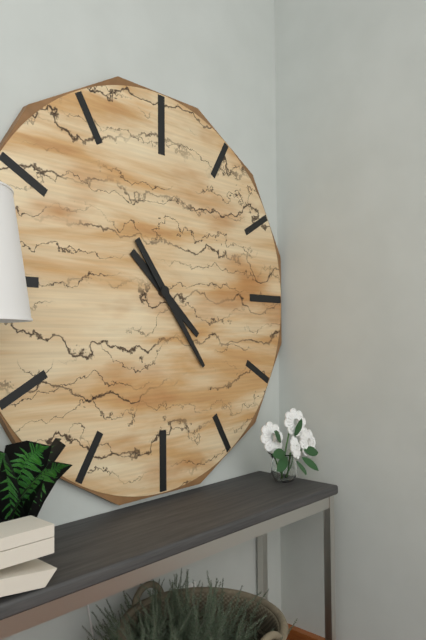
4.24
